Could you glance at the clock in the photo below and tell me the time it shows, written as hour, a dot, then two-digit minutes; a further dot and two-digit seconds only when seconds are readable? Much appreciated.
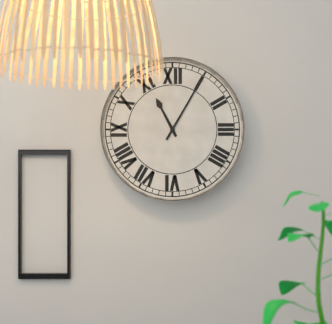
11.05
